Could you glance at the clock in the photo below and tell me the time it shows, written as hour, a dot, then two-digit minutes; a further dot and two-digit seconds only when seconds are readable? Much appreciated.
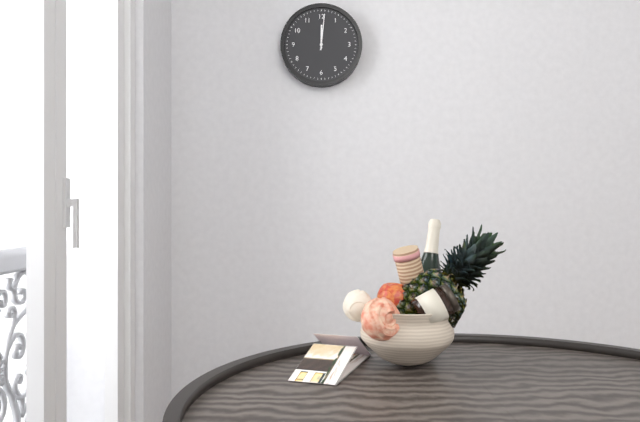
12.01
